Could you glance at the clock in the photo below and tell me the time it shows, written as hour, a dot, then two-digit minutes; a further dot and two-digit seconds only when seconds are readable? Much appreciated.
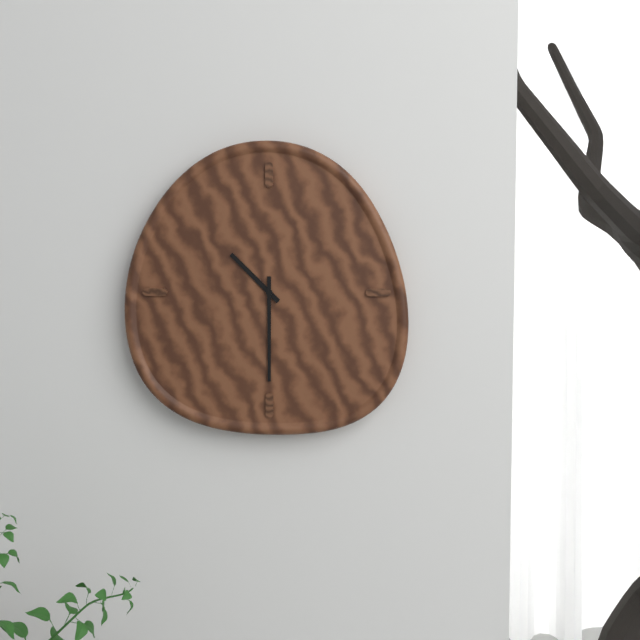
10.30
